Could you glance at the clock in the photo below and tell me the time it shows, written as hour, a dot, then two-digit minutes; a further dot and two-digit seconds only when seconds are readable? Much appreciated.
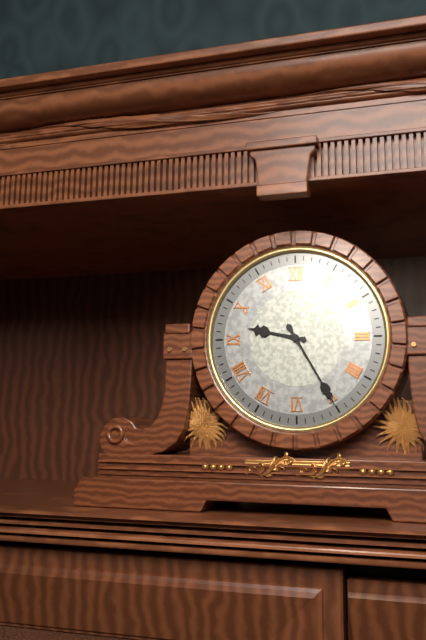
9.25
